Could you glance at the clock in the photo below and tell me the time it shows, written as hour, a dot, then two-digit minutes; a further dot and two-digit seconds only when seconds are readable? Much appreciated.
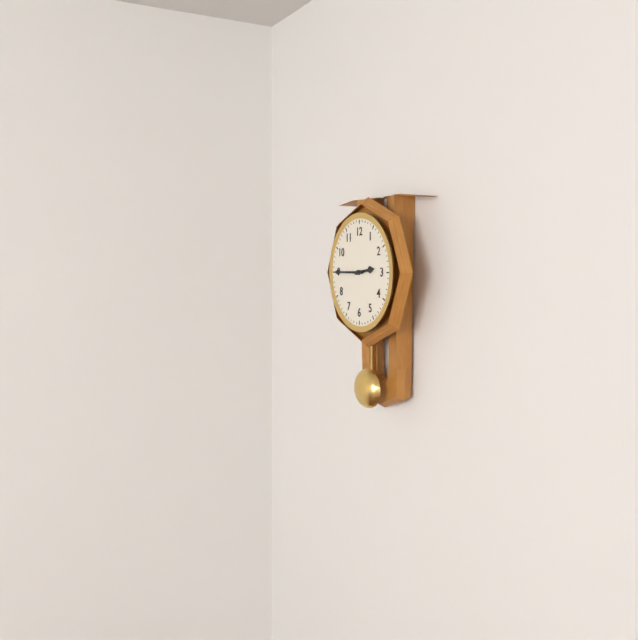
2.45
